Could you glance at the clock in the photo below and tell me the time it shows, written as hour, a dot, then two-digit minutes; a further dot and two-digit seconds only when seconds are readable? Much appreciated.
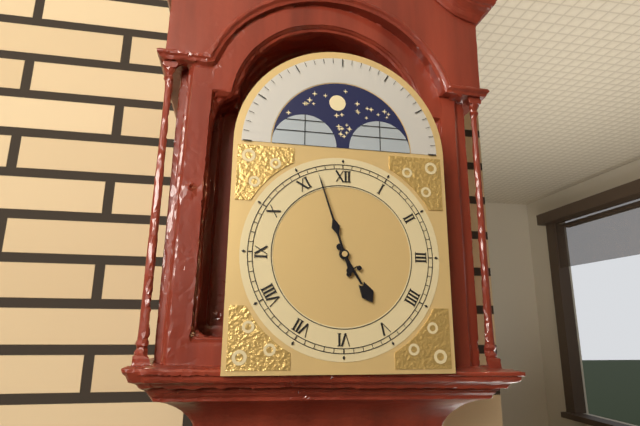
4.57
